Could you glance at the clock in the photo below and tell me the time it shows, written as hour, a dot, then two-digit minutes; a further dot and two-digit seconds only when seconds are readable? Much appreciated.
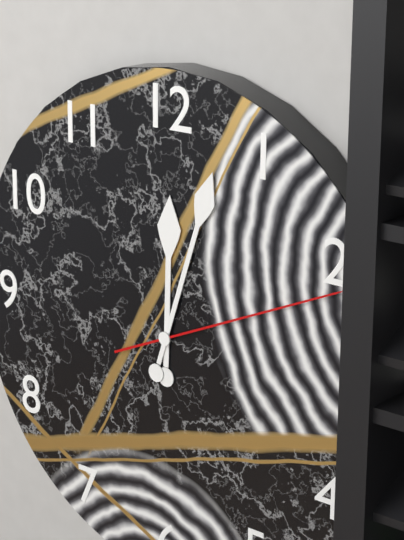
12.03.11
